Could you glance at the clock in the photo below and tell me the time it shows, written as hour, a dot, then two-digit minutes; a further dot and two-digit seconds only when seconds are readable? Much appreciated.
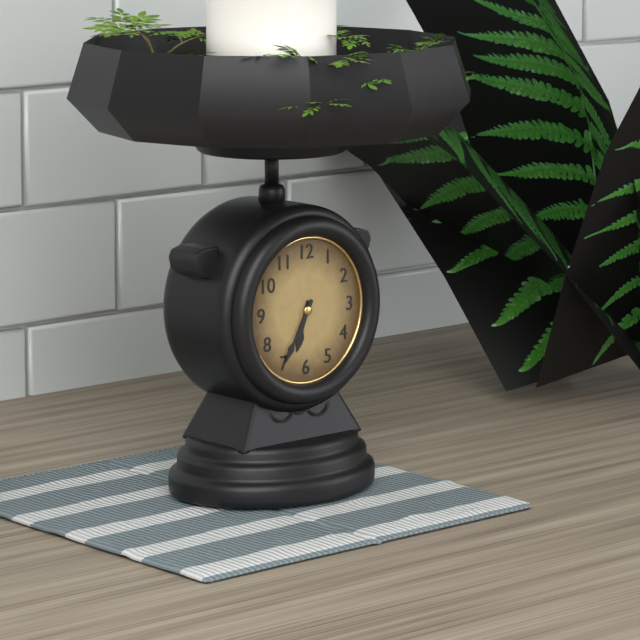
6.35
